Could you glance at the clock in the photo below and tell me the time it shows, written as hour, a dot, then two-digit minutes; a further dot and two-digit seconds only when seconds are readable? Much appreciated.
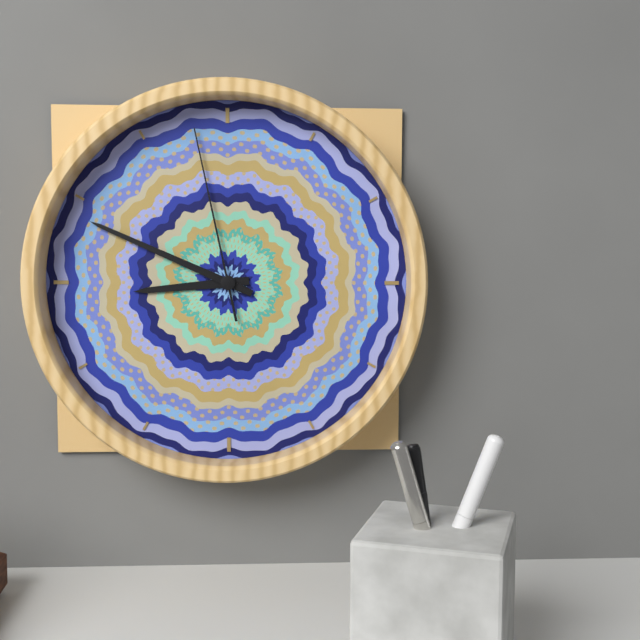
8.49.58
